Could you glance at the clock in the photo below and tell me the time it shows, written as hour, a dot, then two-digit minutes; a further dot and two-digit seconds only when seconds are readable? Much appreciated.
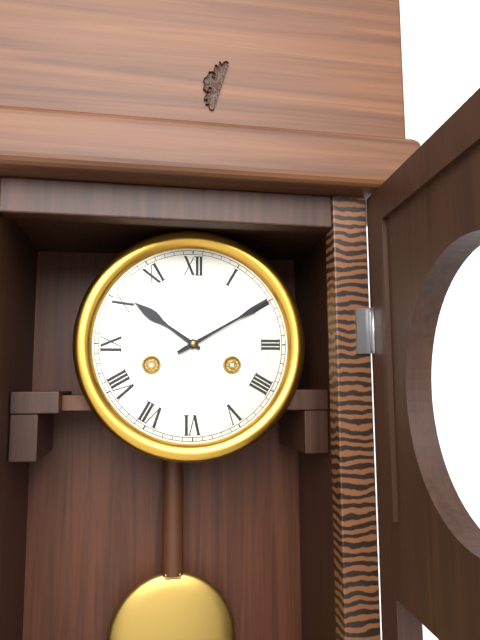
10.10
